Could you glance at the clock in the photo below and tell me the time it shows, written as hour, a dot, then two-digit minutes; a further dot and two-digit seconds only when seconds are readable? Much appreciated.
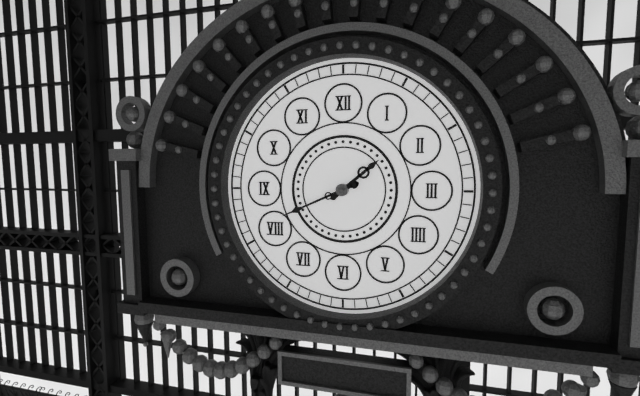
1.41
